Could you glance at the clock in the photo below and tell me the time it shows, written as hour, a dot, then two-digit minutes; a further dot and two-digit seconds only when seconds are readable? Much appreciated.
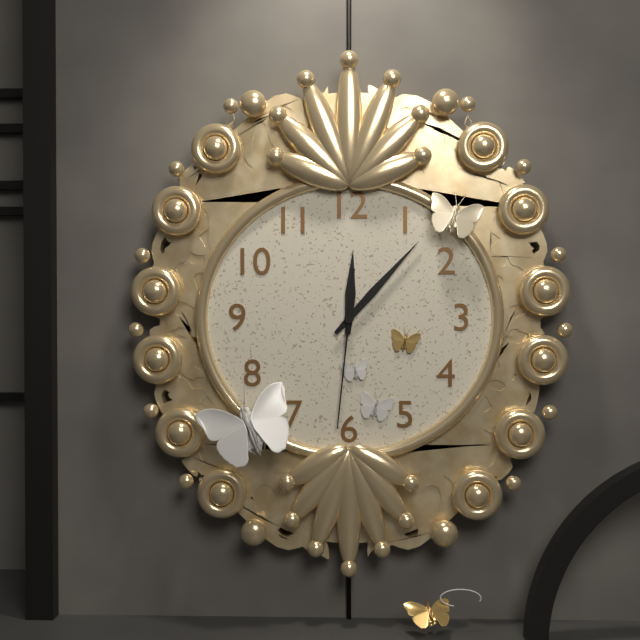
12.07.31
